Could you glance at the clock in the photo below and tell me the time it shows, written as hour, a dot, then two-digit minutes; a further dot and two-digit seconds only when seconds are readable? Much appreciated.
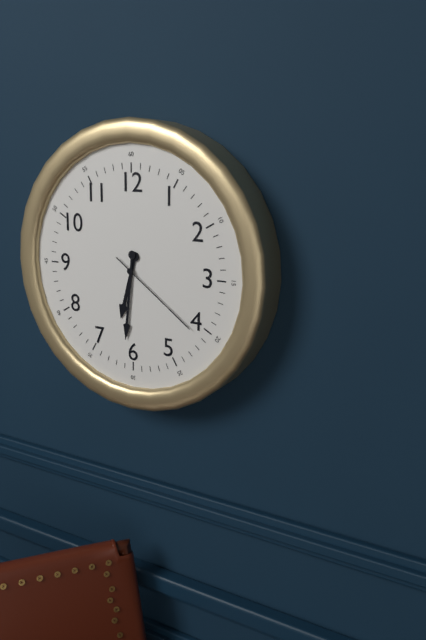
6.31.21
